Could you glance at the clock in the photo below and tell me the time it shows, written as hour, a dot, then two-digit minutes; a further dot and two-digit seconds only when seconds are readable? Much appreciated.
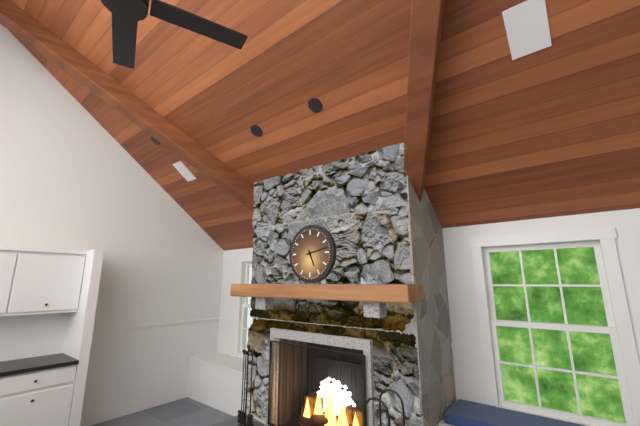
5.13
